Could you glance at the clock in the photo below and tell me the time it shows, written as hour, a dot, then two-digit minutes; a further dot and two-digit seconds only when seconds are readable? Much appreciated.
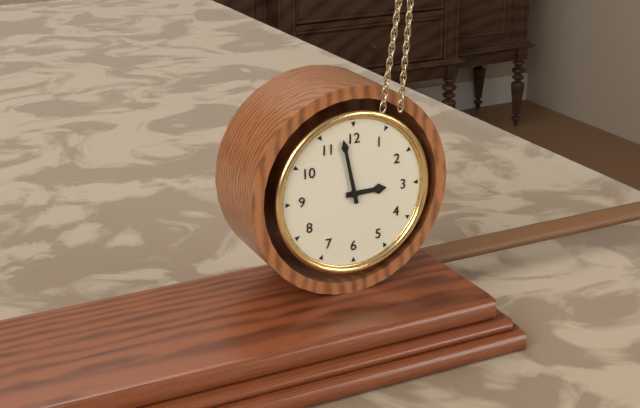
2.58
